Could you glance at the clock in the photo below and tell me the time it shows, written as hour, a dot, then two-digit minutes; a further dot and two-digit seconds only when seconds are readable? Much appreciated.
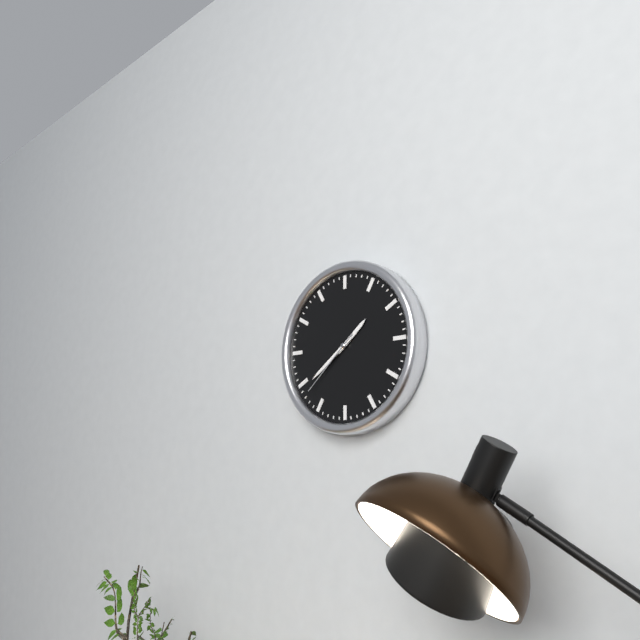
1.39.38
